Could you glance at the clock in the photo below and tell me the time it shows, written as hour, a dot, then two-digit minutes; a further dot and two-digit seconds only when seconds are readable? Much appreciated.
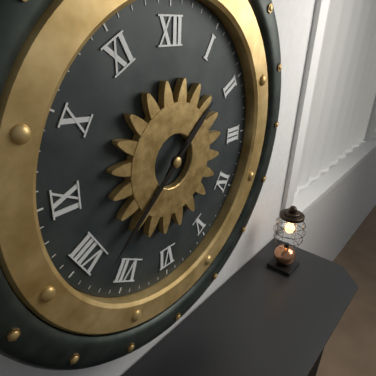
1.38
